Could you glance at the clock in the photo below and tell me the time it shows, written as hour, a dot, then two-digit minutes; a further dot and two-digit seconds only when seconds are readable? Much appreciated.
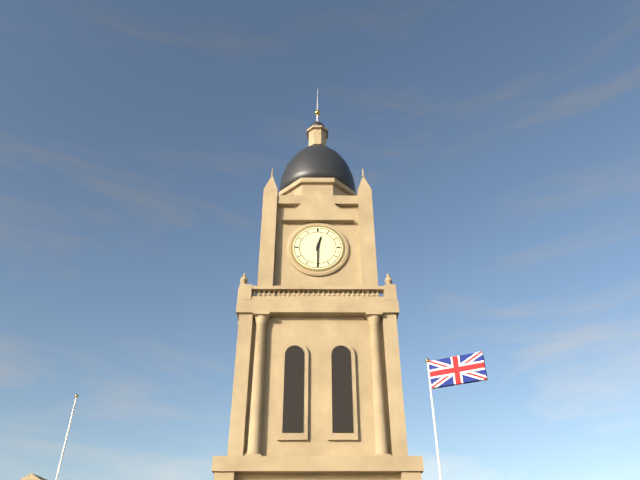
12.30
